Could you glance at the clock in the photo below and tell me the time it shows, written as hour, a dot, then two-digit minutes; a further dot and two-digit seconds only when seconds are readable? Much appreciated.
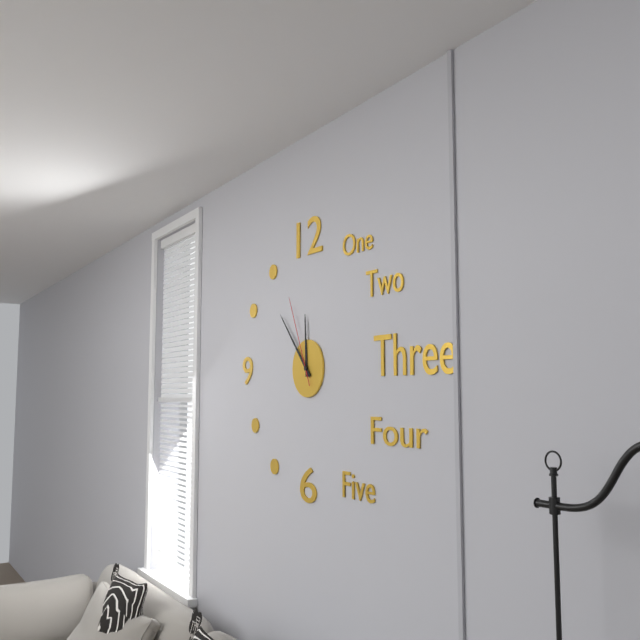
11.53.56
